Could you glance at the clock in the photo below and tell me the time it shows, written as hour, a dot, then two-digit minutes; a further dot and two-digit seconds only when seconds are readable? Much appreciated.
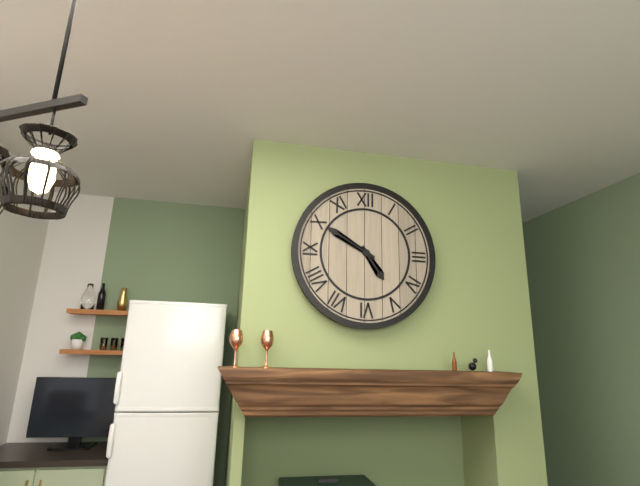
4.50
